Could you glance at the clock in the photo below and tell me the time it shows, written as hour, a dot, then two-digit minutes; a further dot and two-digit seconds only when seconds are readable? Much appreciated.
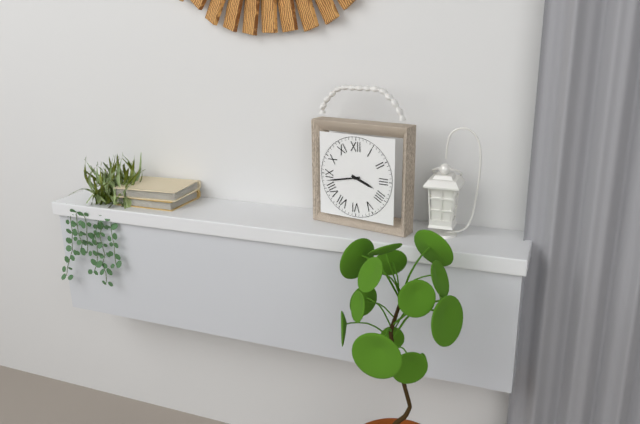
3.43
